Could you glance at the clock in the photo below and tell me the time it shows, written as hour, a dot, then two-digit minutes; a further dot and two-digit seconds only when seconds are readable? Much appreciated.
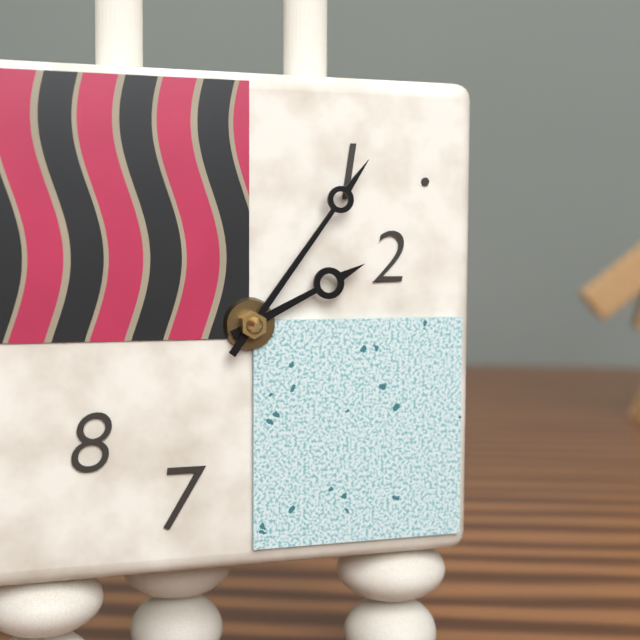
2.06
